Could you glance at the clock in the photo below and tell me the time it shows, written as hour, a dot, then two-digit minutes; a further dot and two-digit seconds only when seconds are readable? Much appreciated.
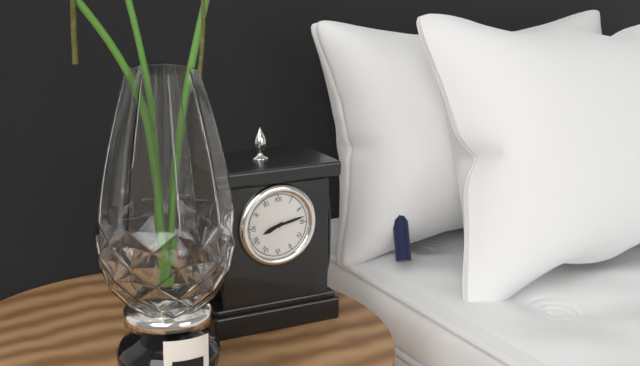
8.13
